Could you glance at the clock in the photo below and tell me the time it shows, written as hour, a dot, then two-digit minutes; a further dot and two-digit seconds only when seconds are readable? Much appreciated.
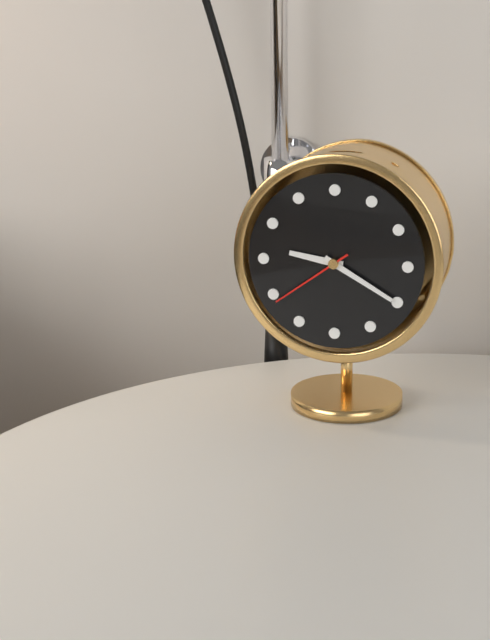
9.20.39
